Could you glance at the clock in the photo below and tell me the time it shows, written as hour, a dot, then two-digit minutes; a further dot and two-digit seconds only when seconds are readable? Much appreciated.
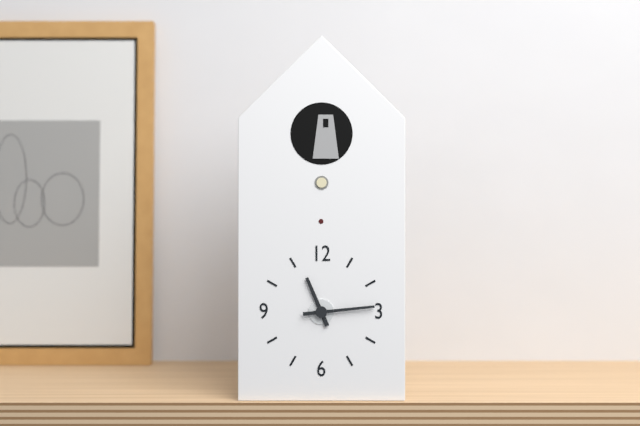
11.14
